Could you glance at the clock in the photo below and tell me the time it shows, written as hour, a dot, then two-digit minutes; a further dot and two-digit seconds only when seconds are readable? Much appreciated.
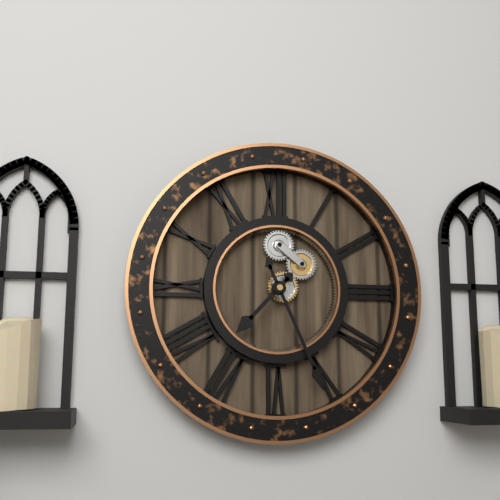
7.26
